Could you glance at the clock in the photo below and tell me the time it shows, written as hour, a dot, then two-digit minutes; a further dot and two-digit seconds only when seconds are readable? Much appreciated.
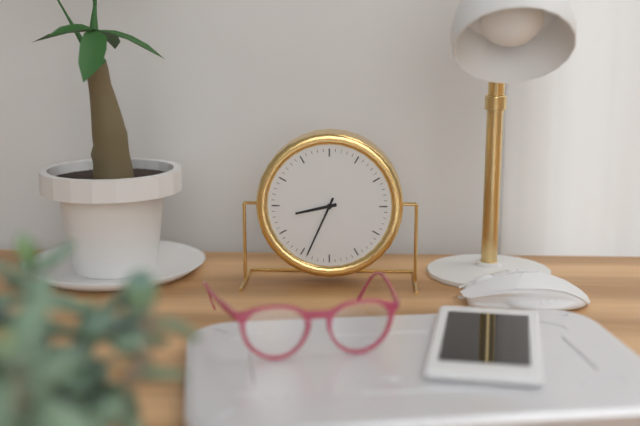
8.34
